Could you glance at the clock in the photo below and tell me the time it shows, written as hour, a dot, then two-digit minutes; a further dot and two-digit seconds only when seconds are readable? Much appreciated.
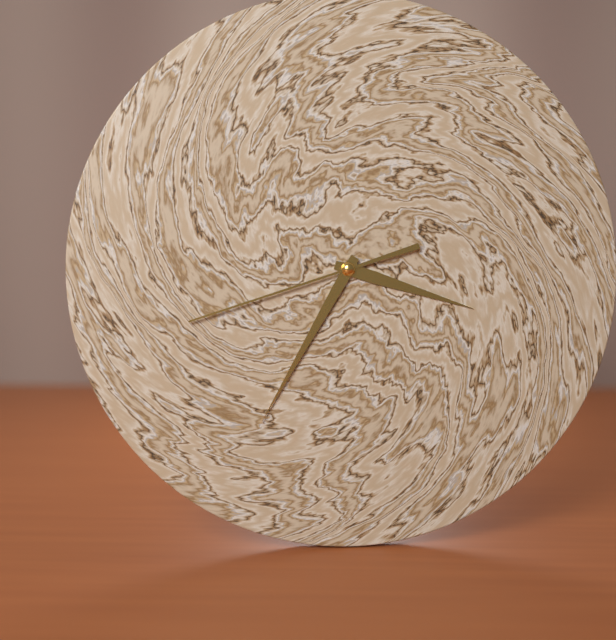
3.35.42
